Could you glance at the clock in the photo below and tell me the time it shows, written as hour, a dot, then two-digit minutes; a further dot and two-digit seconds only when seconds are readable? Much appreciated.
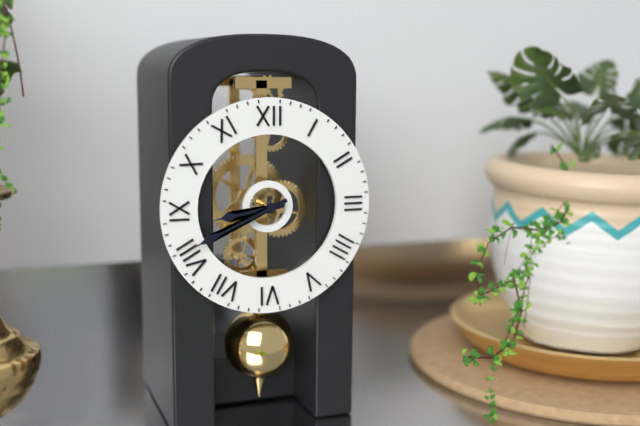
8.41
